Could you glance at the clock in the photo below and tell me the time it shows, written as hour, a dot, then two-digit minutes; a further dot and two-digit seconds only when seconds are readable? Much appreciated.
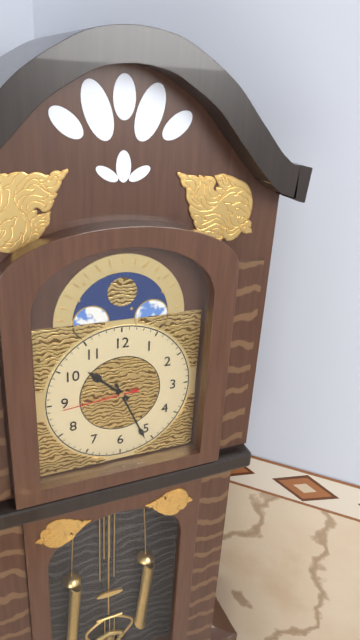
10.26.44
